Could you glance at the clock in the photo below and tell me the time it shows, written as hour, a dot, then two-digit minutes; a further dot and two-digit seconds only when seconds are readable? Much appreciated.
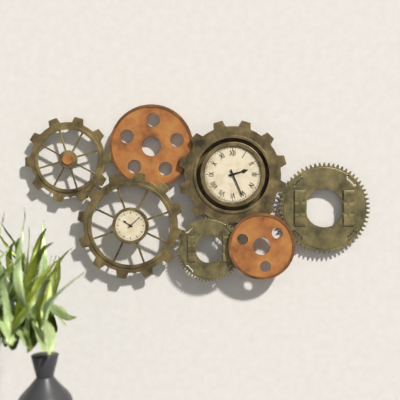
2.26
